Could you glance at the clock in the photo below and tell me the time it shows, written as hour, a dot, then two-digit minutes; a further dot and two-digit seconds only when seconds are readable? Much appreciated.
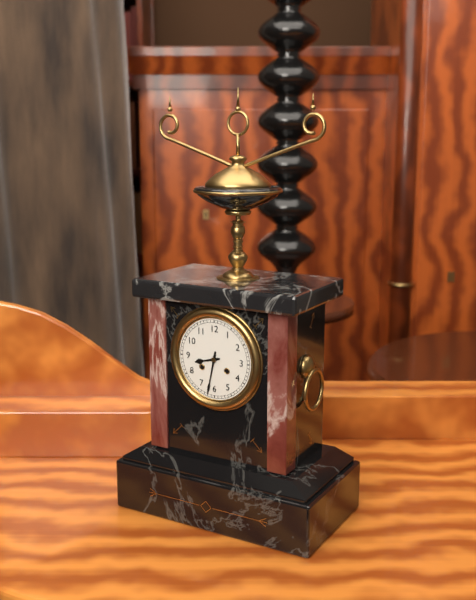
8.32
